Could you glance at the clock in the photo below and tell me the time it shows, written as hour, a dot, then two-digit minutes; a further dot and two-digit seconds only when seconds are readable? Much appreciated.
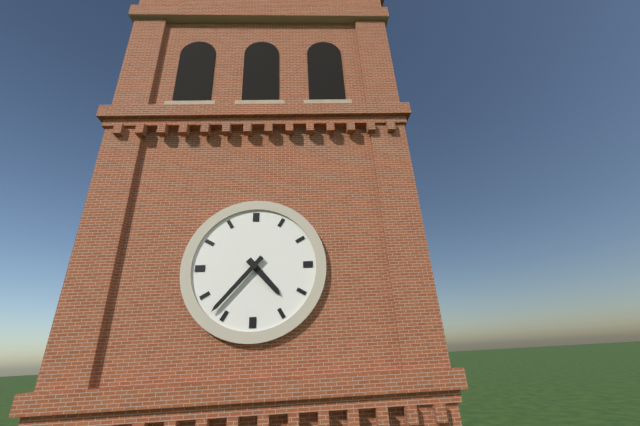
4.37
